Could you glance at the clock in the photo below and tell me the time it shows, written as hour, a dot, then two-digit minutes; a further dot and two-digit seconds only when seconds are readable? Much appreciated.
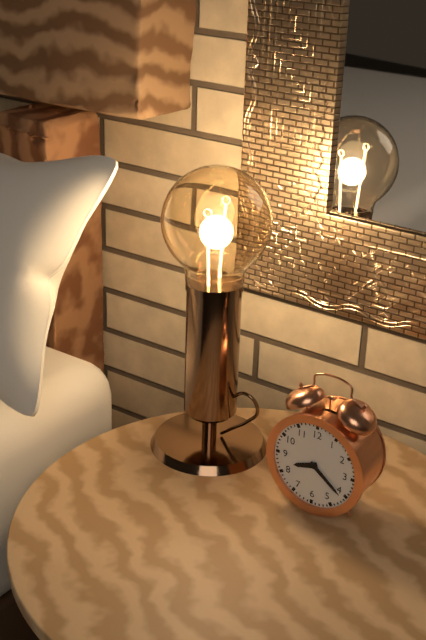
8.21
